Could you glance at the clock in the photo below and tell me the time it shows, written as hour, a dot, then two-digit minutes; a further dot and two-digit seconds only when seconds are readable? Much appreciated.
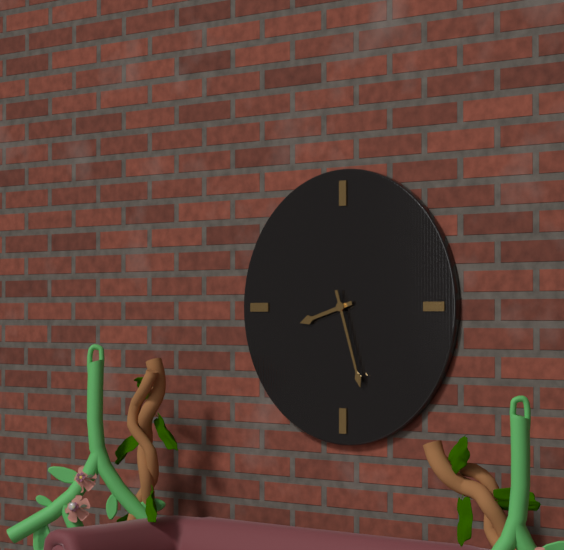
8.27
